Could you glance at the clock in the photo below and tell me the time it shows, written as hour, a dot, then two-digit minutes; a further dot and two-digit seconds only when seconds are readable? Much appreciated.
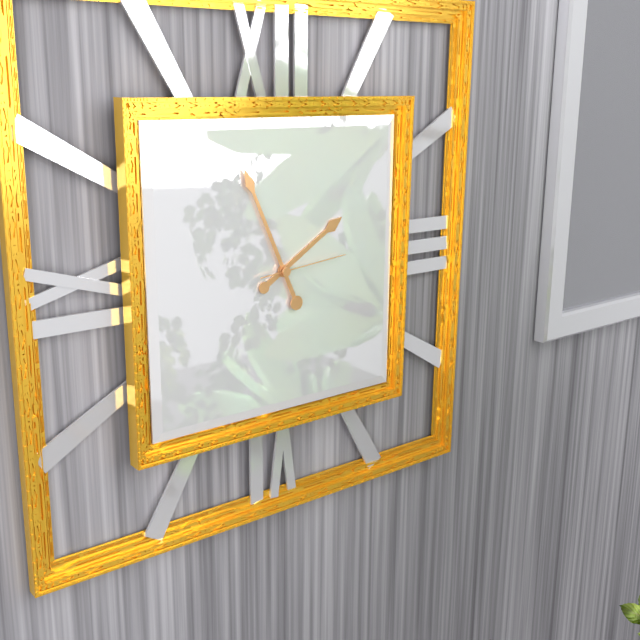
1.56.14
